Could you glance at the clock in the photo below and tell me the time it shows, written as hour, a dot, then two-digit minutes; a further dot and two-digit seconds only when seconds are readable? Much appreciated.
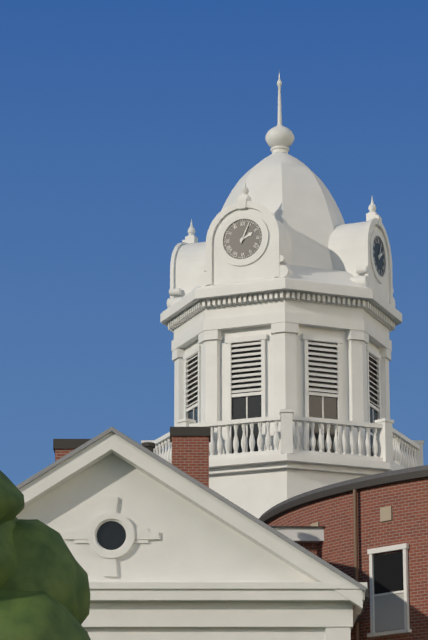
2.04
